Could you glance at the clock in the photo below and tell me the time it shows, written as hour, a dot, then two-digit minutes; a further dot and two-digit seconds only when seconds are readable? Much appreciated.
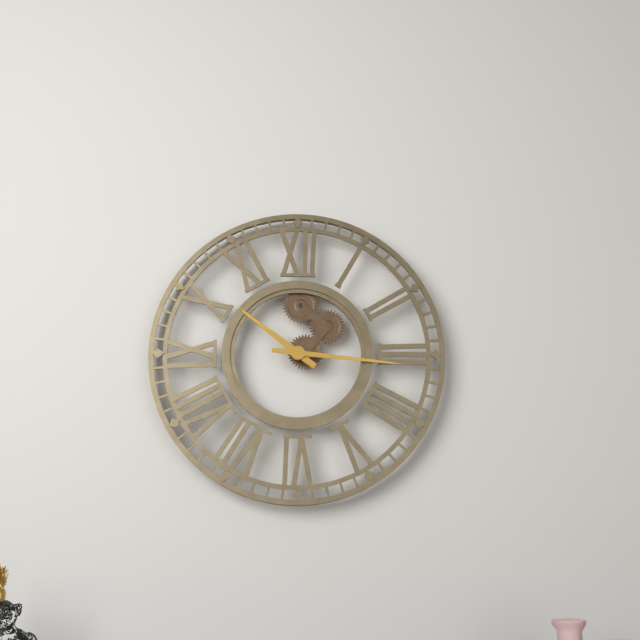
10.16
